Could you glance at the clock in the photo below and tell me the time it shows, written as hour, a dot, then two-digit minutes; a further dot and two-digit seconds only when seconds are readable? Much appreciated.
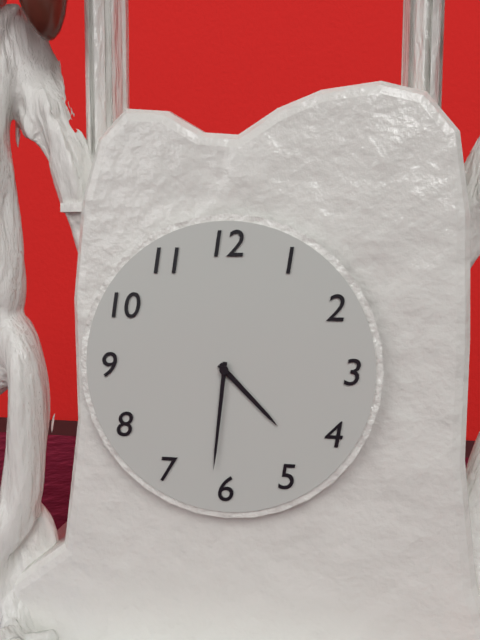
4.31
